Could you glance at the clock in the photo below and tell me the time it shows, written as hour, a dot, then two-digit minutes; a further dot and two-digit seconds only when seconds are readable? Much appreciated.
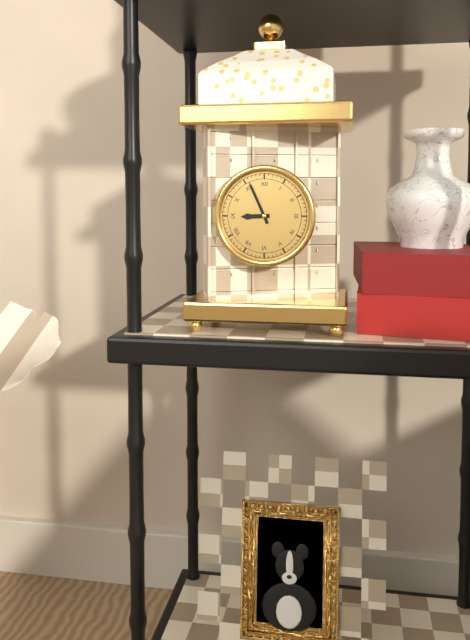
8.56
